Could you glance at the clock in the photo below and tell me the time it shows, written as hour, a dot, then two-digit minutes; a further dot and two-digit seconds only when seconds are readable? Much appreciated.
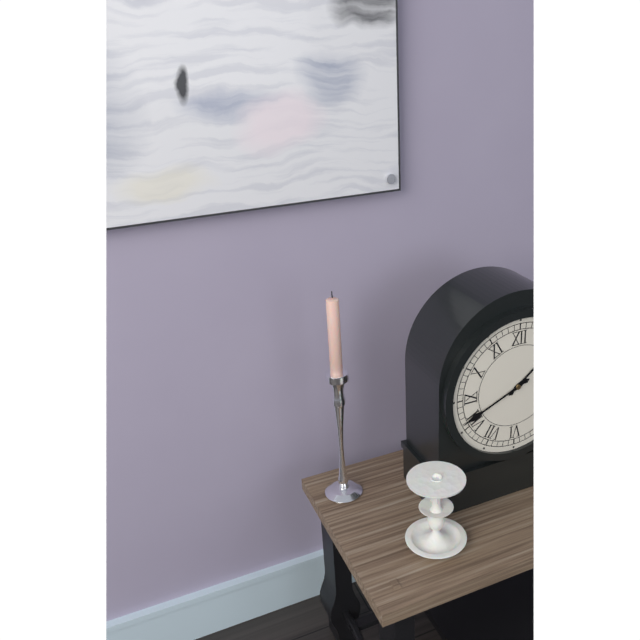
1.41
